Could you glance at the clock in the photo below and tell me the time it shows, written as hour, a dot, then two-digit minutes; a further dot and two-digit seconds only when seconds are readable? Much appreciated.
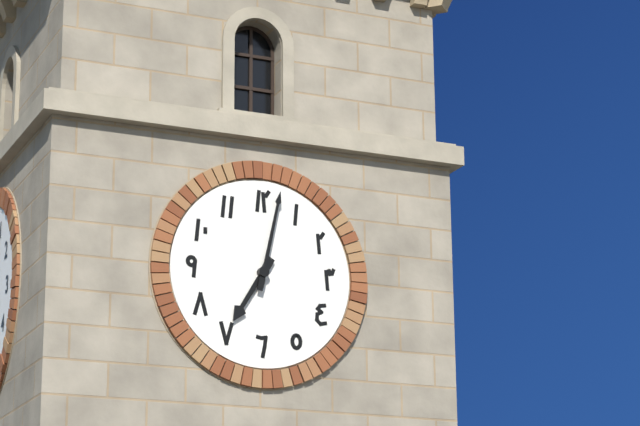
7.02
